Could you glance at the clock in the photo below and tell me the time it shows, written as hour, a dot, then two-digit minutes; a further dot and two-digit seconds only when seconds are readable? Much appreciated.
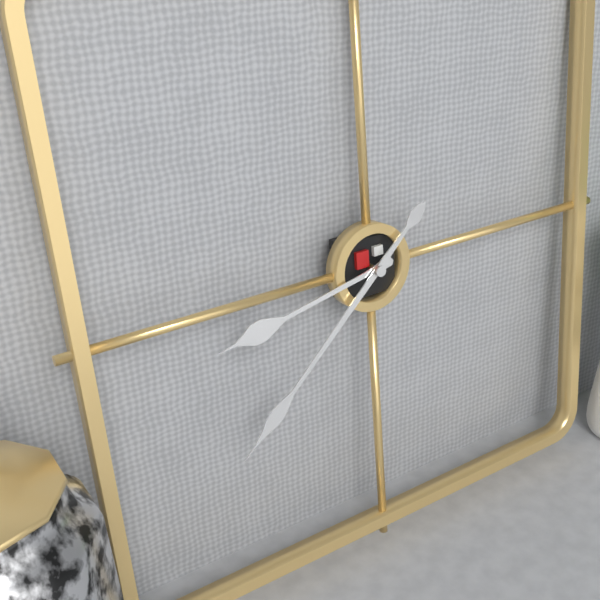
8.38
